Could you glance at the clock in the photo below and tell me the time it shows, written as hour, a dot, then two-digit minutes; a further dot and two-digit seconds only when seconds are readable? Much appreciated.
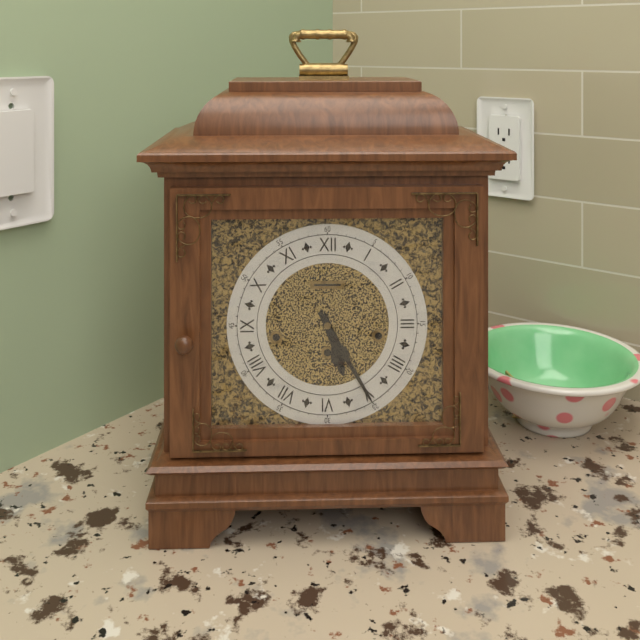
5.25
